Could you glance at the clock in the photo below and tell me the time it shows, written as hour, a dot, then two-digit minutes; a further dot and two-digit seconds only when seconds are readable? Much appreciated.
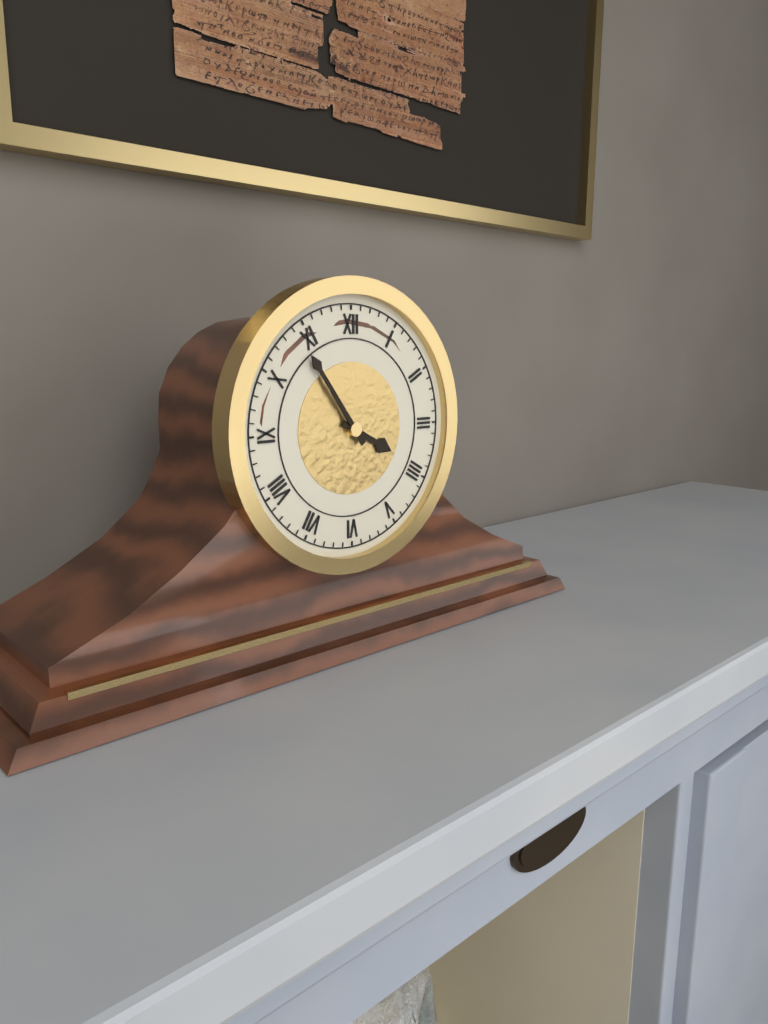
3.54
